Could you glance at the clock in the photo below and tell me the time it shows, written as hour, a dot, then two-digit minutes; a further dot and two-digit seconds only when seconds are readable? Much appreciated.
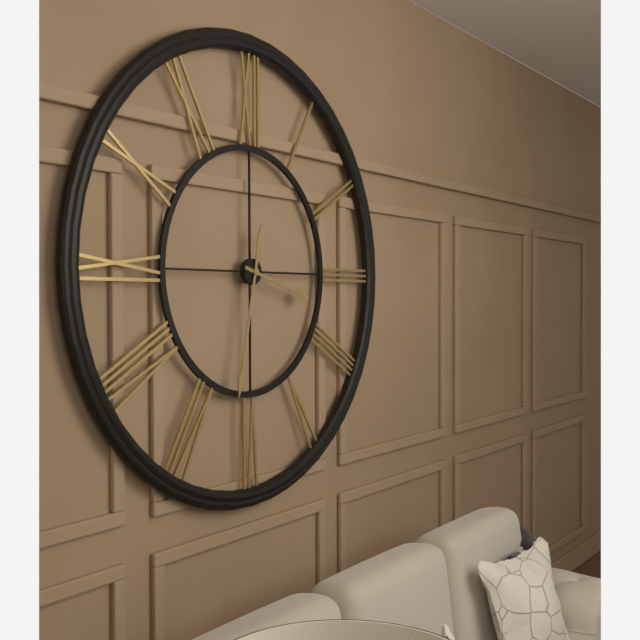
3.32
